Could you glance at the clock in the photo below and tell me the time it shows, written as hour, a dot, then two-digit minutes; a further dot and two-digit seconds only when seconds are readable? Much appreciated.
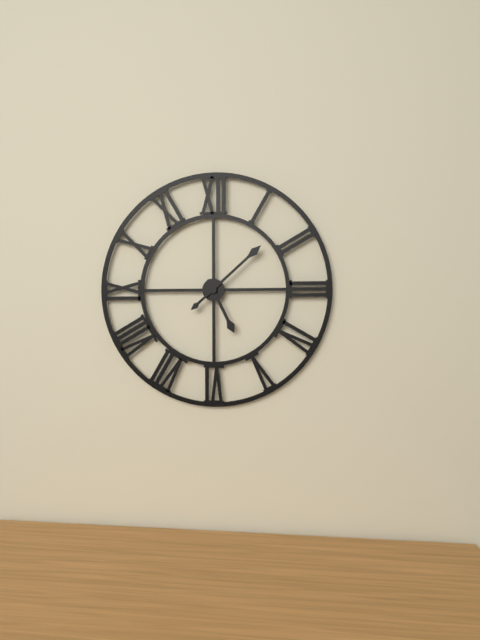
5.08
